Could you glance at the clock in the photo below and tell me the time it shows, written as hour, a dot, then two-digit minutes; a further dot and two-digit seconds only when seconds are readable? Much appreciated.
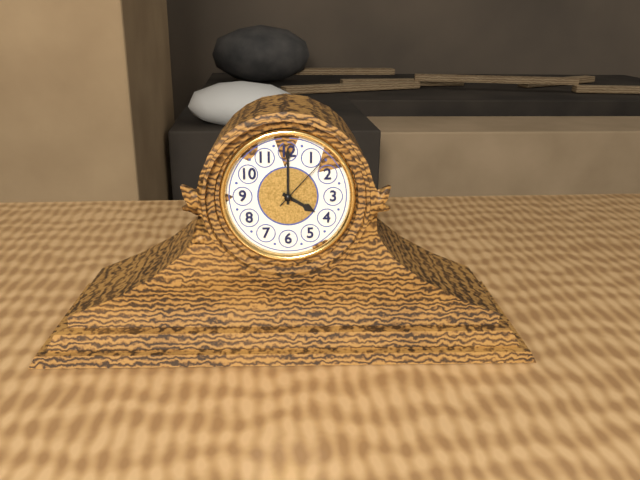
4.00.07
